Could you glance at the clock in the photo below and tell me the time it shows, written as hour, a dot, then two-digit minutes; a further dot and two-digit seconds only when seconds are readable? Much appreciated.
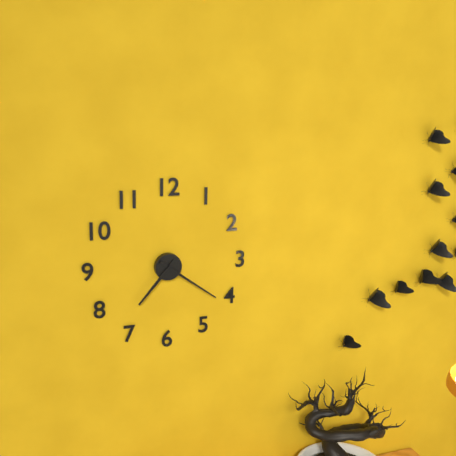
7.21
